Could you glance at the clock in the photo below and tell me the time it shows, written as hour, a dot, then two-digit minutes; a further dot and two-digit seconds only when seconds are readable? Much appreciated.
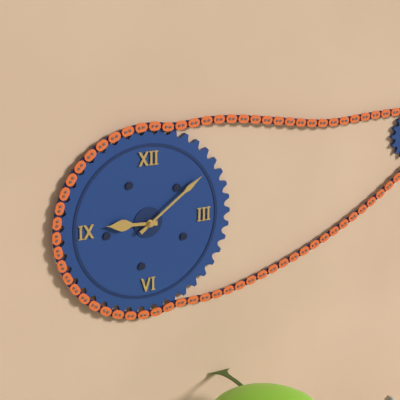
9.09
